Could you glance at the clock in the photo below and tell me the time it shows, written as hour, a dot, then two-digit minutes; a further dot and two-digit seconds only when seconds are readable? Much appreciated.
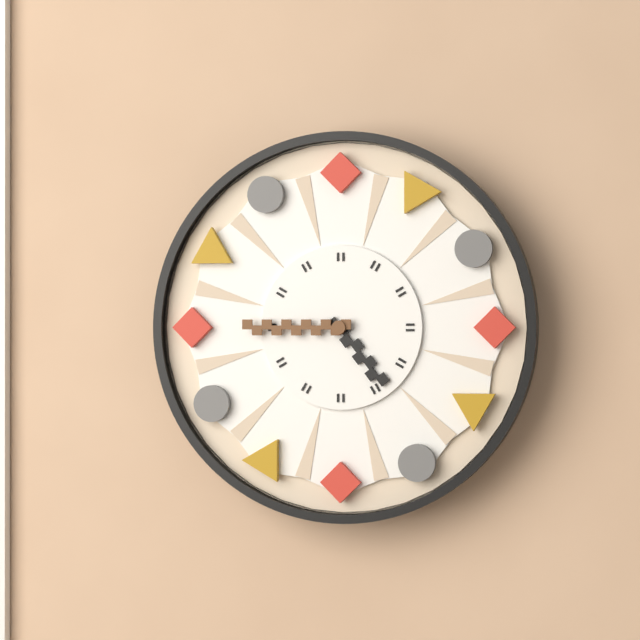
4.45
